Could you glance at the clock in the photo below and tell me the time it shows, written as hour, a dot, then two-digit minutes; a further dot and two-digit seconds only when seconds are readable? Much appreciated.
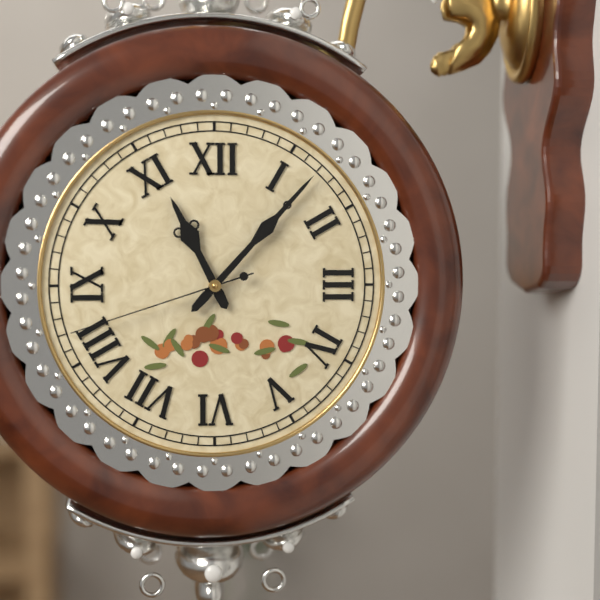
11.07.42
